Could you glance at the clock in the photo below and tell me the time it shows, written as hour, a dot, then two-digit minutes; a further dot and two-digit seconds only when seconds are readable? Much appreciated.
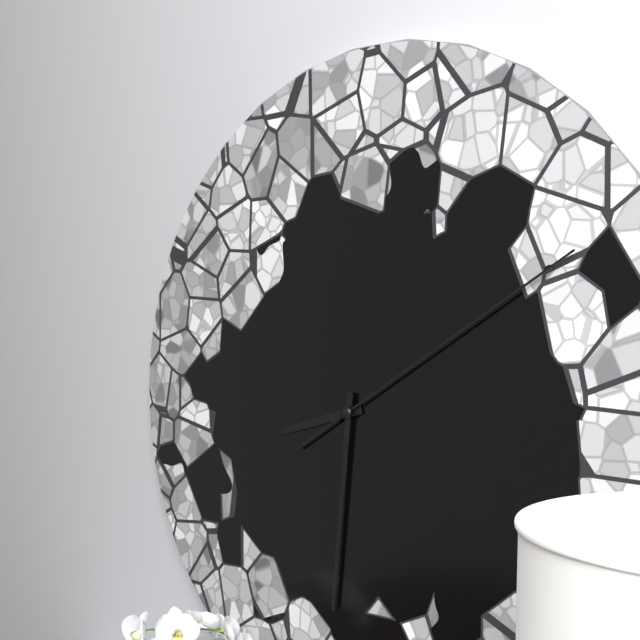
8.31.10
